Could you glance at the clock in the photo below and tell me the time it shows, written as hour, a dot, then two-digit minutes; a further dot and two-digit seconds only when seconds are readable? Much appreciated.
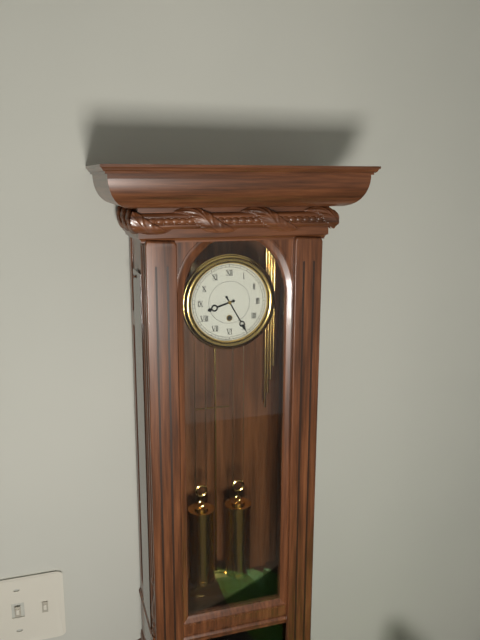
8.25
